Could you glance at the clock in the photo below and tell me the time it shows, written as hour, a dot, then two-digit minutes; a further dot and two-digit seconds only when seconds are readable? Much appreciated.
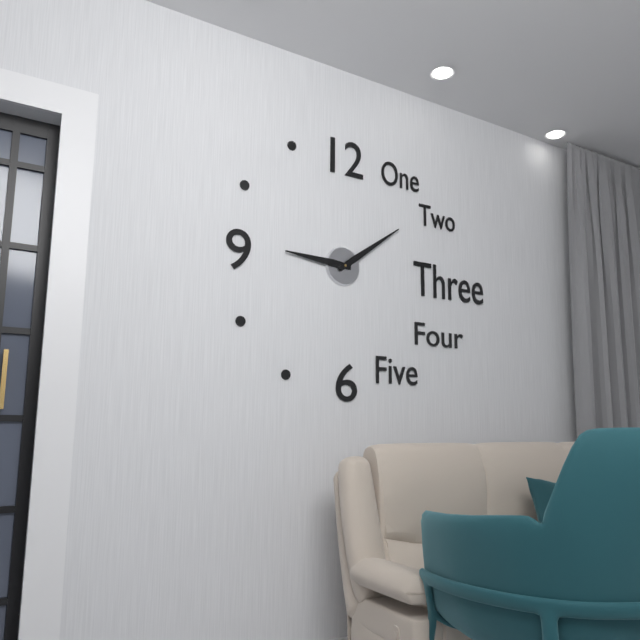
9.09
